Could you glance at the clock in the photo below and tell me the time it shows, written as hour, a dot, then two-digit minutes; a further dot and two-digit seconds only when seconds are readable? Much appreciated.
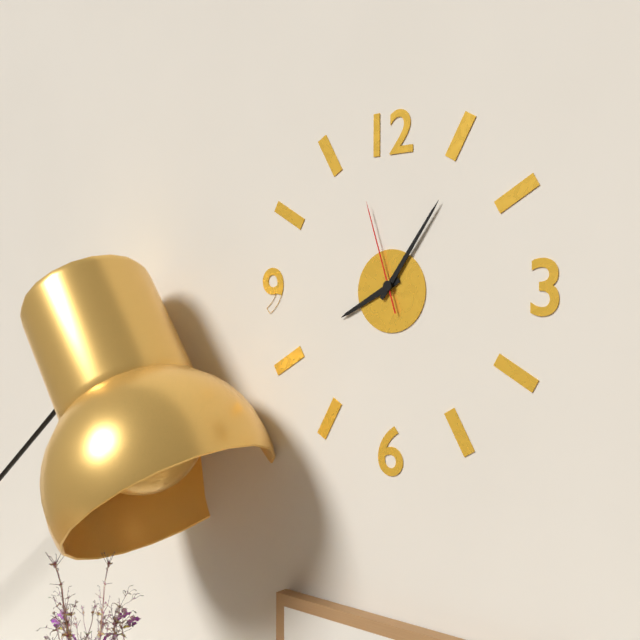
8.06.57
